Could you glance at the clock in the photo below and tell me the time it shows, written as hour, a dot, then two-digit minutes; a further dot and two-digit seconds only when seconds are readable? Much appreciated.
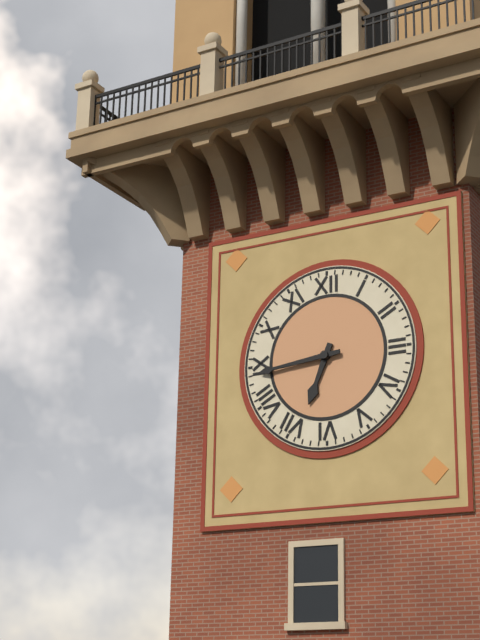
6.44
